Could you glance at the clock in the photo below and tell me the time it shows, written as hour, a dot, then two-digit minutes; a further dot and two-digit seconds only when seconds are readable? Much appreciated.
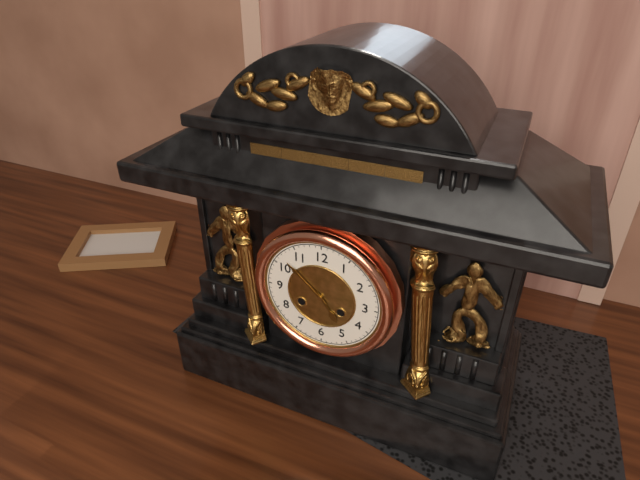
4.52
